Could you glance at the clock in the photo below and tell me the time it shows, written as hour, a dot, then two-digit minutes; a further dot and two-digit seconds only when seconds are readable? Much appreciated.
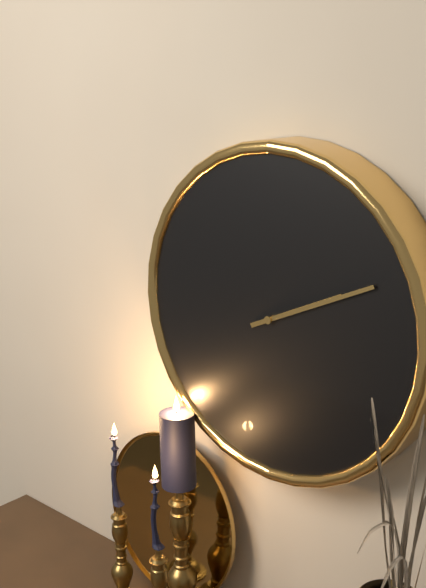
2.11
